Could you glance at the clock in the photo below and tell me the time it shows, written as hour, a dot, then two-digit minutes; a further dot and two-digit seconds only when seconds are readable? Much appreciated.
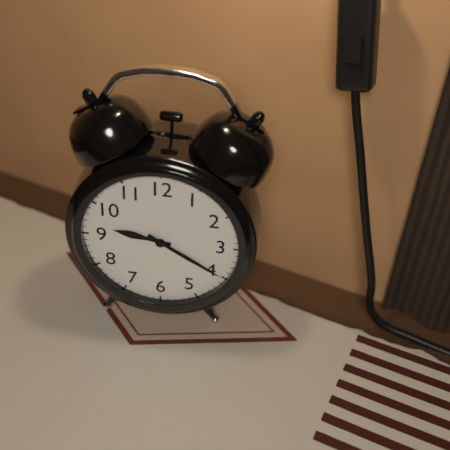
9.20
